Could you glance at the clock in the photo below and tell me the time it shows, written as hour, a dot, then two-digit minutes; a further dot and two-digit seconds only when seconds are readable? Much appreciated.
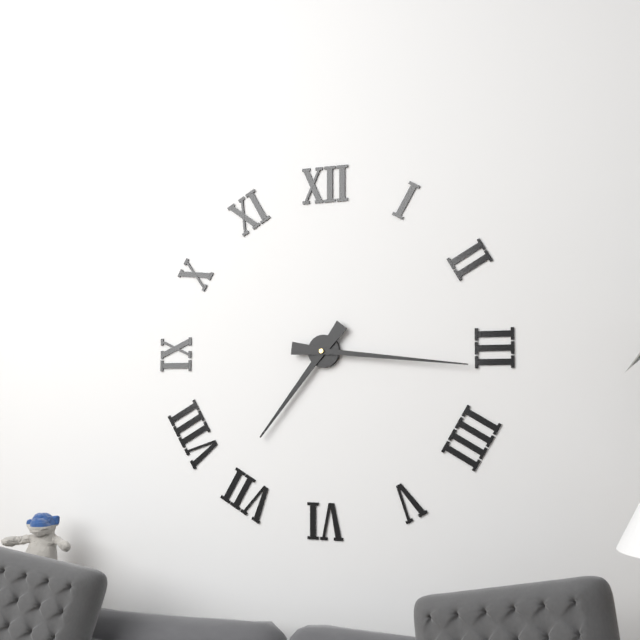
7.16
